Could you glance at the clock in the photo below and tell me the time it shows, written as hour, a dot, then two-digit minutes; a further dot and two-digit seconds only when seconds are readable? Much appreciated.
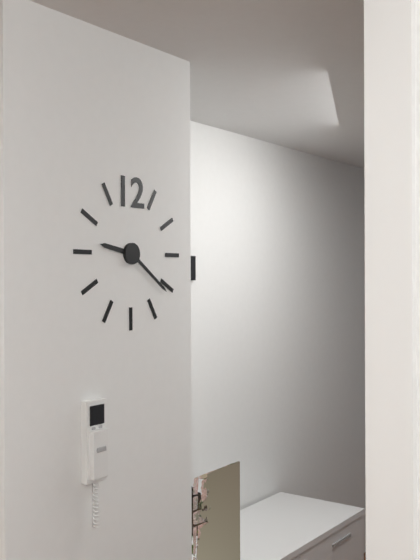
9.21
